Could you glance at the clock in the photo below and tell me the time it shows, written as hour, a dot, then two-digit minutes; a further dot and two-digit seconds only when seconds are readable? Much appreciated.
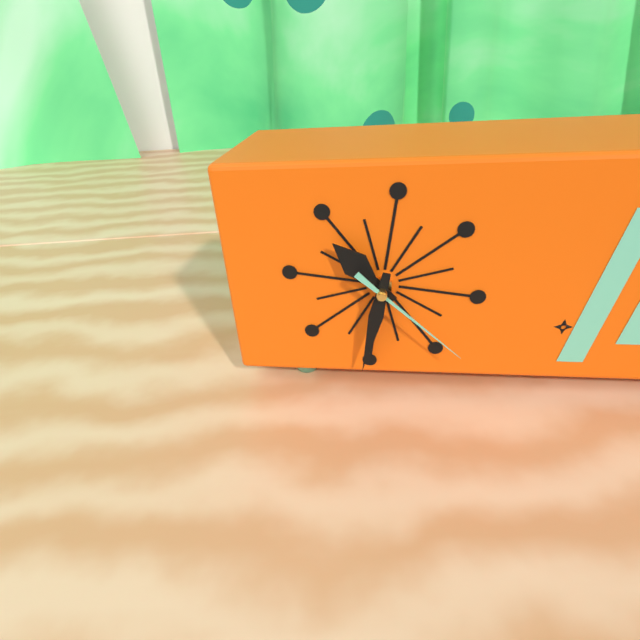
10.32.22
